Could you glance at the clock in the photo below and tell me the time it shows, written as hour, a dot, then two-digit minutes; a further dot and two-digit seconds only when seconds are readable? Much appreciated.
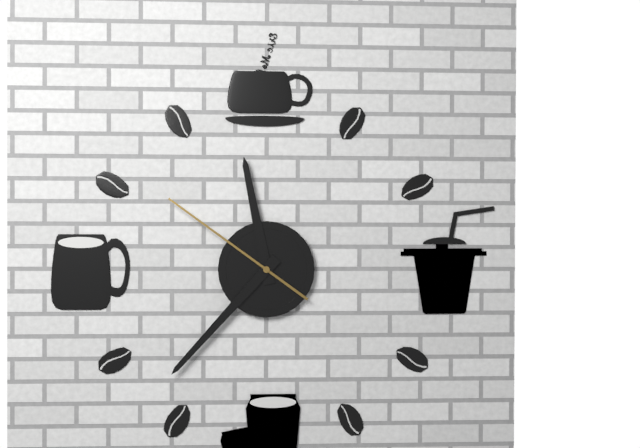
11.37.51
